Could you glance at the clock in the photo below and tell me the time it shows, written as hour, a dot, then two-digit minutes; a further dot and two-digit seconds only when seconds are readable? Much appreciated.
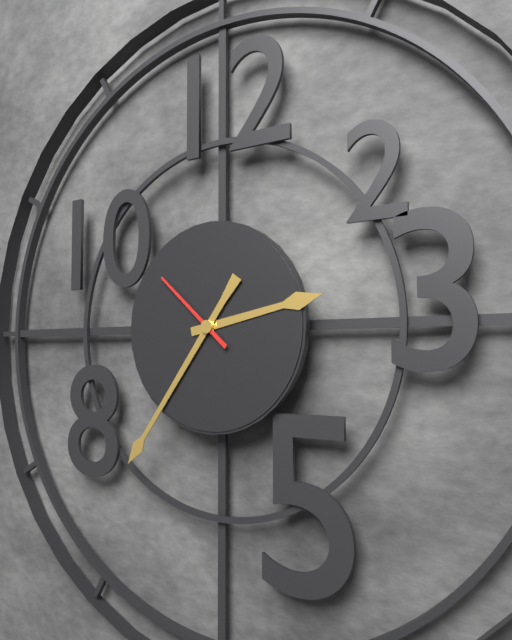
2.36.52
